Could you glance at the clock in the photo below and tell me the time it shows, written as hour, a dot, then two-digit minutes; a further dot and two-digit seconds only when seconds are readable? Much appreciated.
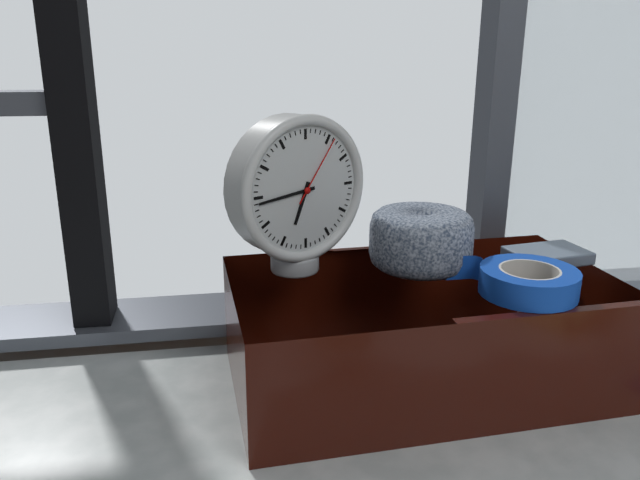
6.44.06
